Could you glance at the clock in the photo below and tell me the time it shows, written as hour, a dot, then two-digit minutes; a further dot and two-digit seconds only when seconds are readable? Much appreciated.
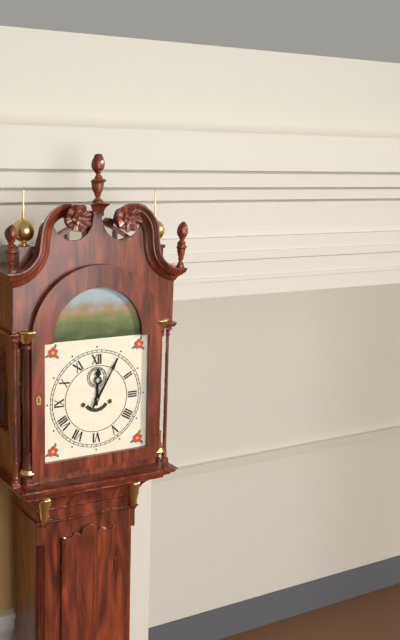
12.05
